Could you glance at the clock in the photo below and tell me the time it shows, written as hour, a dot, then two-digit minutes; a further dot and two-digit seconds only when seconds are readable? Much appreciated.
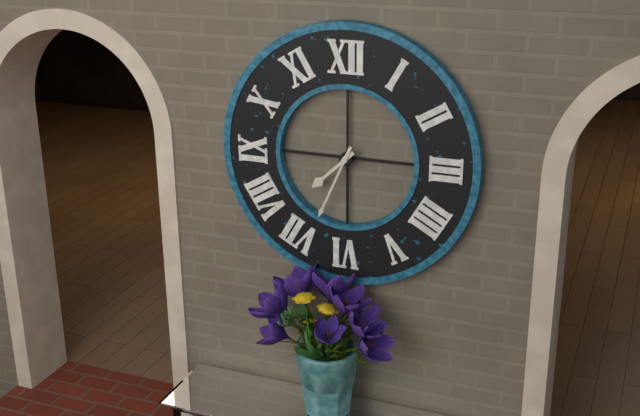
7.34
